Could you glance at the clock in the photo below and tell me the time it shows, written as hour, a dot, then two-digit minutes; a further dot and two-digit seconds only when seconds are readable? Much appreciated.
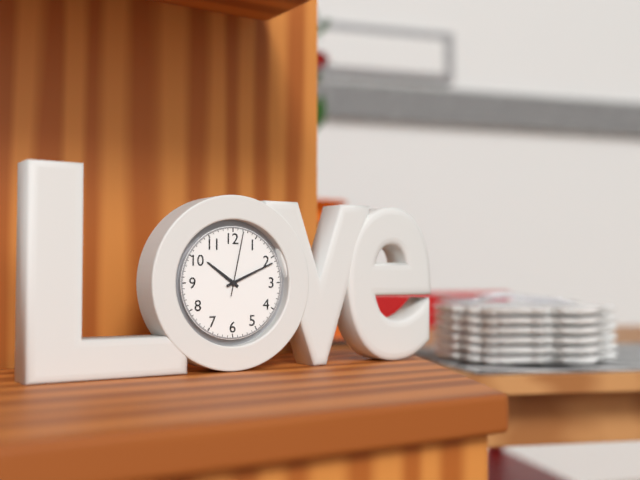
10.11.02
